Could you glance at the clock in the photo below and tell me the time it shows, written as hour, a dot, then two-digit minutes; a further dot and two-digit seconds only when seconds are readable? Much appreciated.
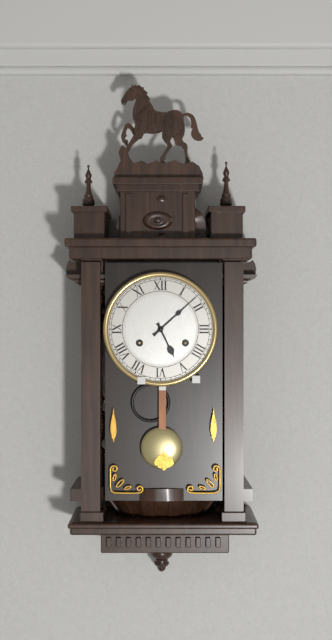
5.08
